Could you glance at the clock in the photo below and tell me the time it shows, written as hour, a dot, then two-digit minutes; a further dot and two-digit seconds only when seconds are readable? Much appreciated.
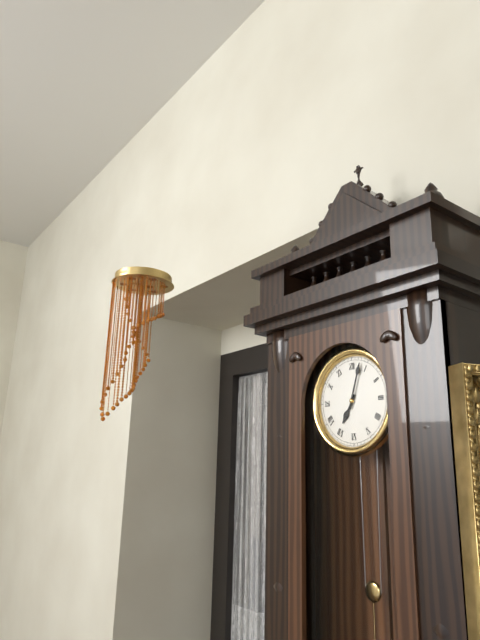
7.03
